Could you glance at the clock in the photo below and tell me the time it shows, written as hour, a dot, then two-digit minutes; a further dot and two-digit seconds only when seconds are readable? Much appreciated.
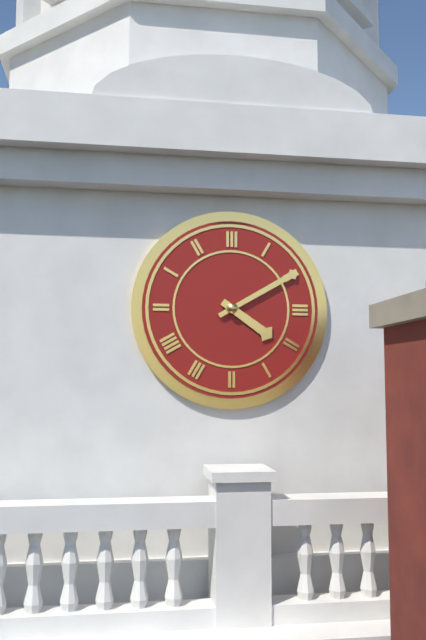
4.10
